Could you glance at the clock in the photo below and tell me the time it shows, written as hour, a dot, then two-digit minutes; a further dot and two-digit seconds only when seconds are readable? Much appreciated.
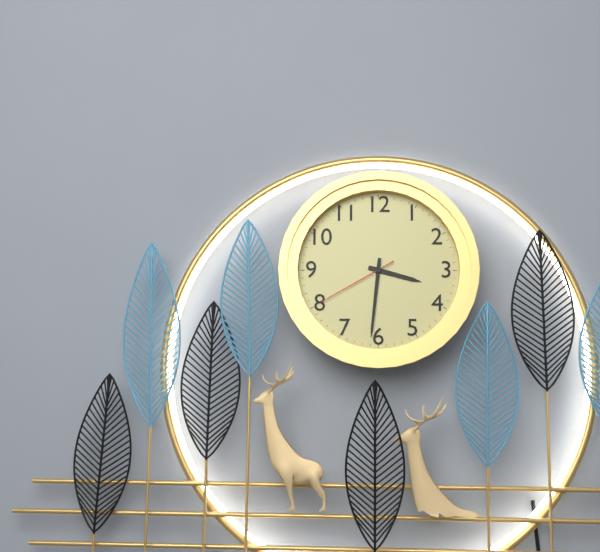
3.31.40
